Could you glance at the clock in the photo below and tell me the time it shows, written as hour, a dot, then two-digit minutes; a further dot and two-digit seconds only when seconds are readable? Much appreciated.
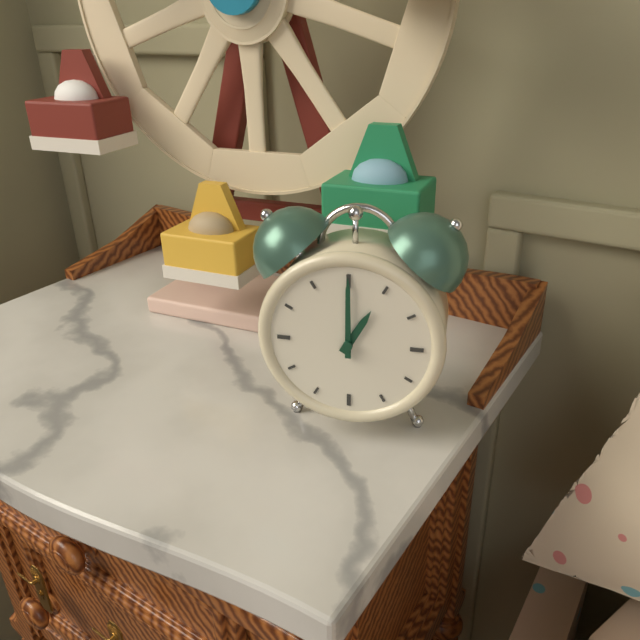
1.00
